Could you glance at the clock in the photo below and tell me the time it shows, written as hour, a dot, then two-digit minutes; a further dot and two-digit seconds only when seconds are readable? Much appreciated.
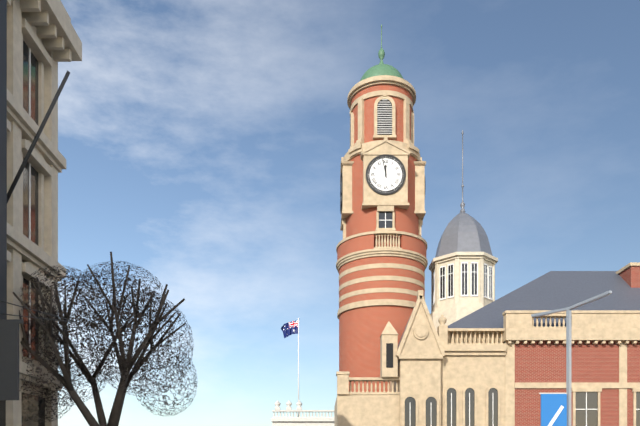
11.58
